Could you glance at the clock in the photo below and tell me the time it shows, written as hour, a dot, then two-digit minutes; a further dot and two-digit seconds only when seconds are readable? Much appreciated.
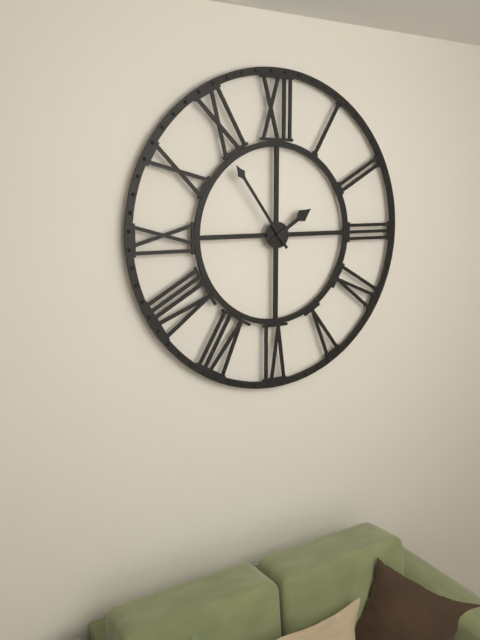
1.54
